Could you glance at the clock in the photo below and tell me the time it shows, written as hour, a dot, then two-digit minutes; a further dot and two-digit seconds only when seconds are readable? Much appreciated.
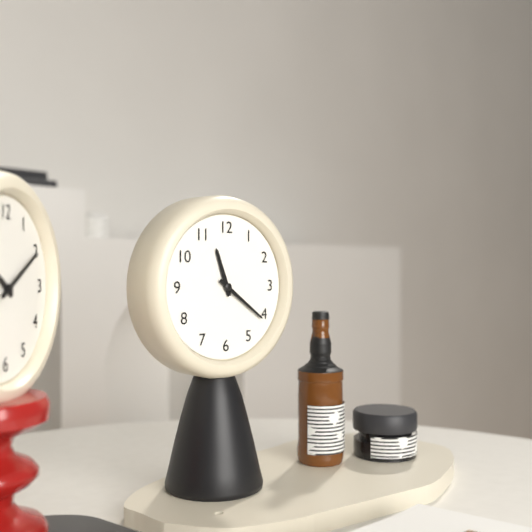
11.21
